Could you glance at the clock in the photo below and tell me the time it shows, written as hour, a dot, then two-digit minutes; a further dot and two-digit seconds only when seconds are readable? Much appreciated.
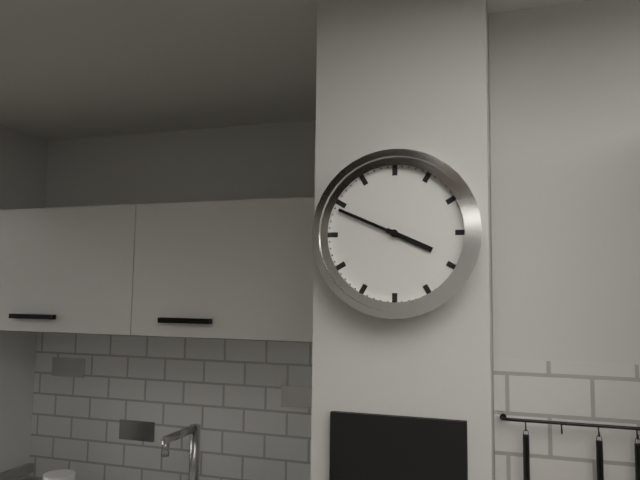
3.49
